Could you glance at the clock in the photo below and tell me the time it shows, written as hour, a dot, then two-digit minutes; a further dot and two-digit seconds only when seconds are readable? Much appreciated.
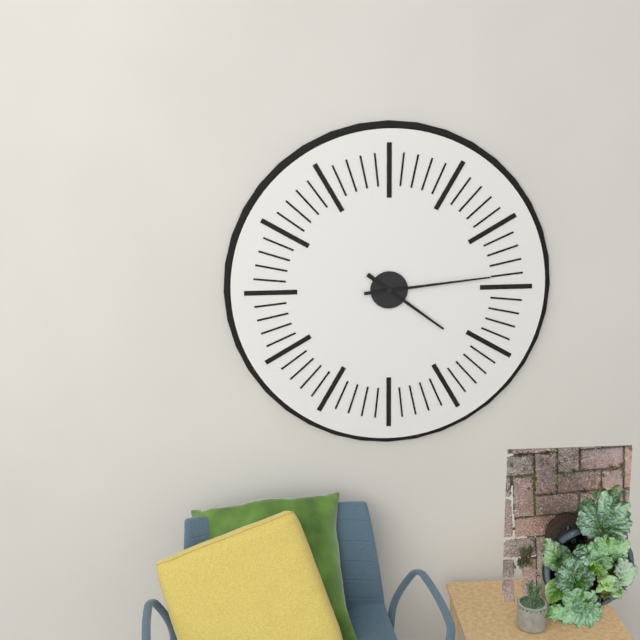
4.14
